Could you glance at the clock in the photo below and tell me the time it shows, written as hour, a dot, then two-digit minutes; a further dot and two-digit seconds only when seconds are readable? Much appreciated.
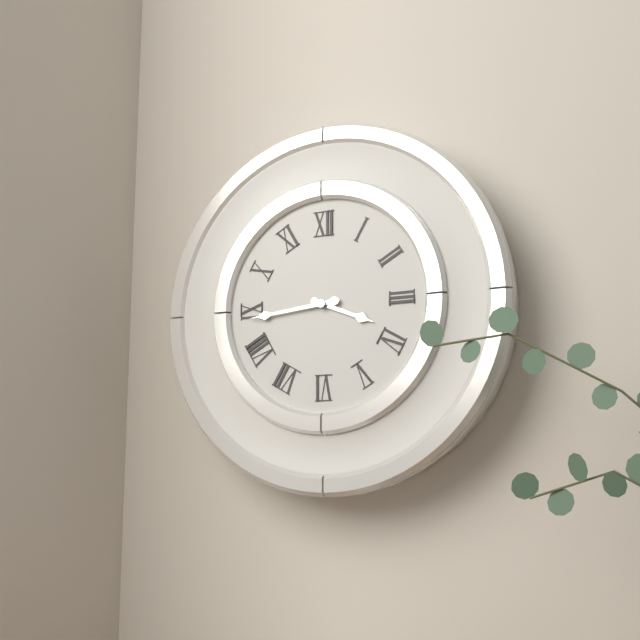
3.44
